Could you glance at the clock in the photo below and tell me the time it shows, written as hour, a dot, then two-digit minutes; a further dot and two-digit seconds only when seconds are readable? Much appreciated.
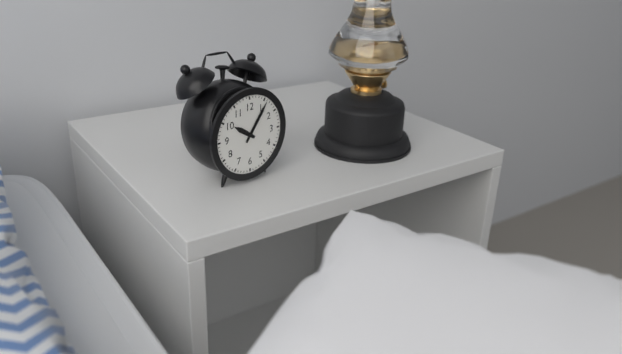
10.06
